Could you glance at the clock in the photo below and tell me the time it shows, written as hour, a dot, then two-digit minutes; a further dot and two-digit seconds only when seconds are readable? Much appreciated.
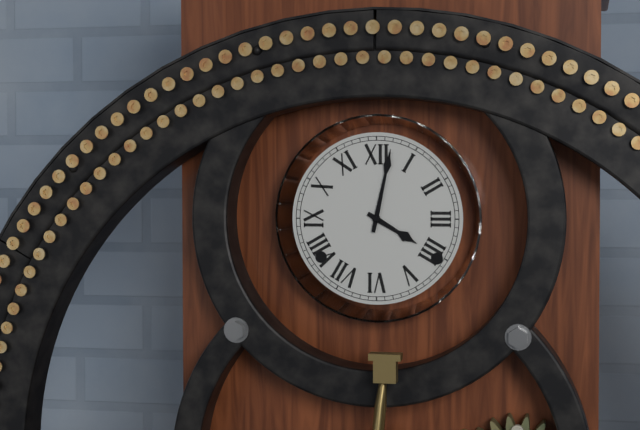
4.02
